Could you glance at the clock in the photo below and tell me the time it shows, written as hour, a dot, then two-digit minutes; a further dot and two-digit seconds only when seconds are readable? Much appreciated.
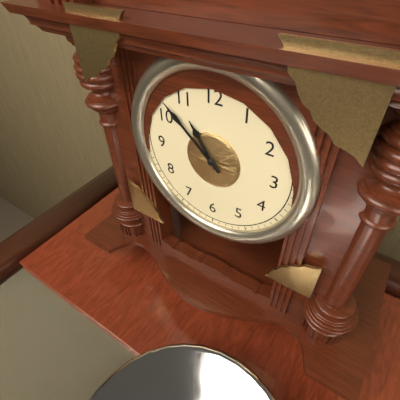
10.52
